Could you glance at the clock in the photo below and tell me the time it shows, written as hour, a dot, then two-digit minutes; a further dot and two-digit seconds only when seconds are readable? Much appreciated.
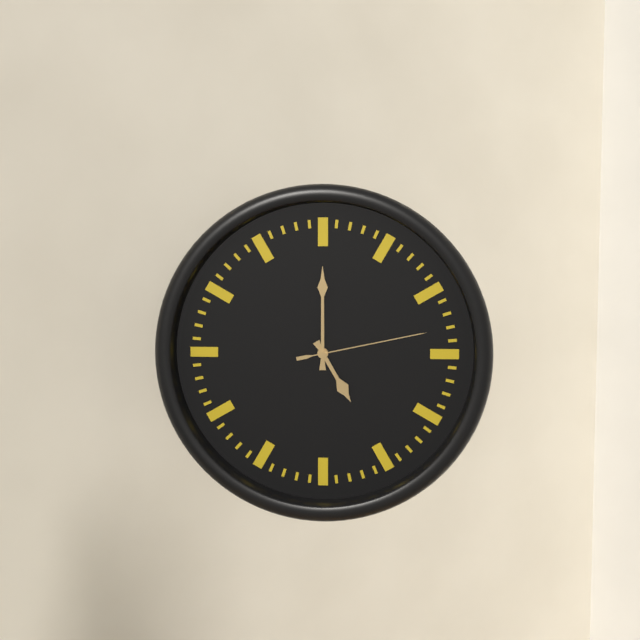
5.00.13
